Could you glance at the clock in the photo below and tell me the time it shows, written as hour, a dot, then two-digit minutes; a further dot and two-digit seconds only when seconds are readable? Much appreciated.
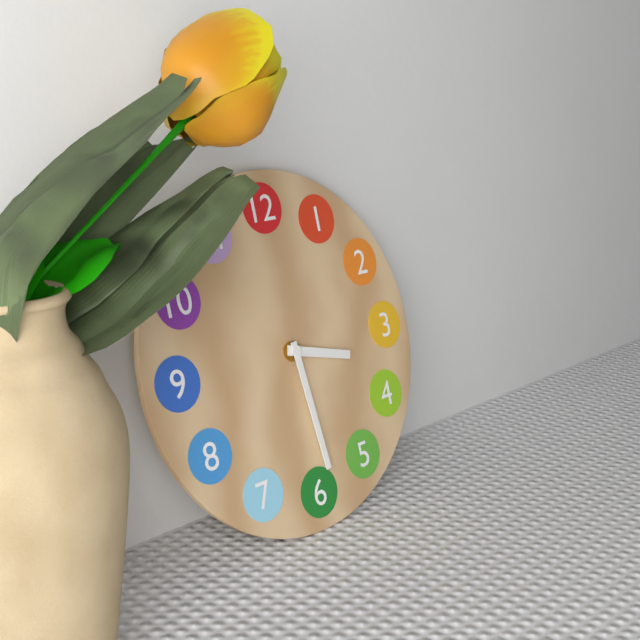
3.29
